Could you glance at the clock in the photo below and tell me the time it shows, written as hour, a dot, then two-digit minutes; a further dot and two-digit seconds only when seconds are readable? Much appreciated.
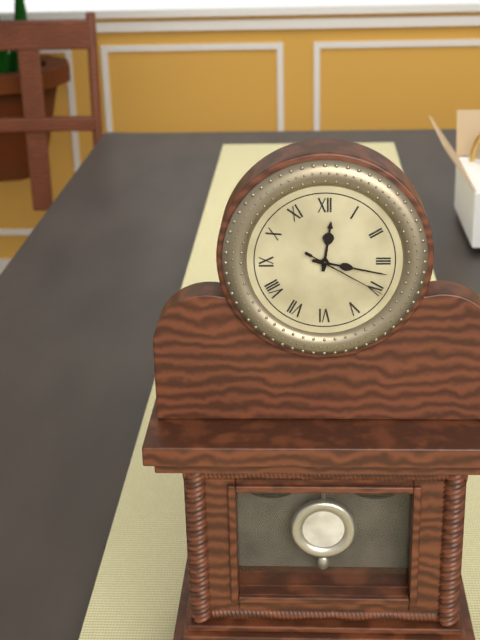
12.17.20
